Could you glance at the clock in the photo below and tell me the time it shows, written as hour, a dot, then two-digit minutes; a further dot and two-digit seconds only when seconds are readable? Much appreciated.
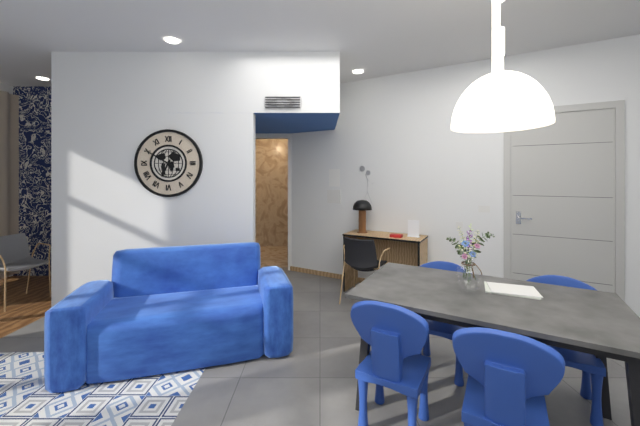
6.50
